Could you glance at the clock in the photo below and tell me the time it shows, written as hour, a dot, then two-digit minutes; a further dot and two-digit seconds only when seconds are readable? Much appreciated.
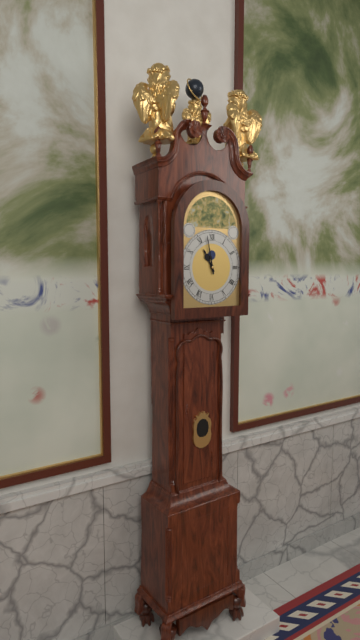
10.58
